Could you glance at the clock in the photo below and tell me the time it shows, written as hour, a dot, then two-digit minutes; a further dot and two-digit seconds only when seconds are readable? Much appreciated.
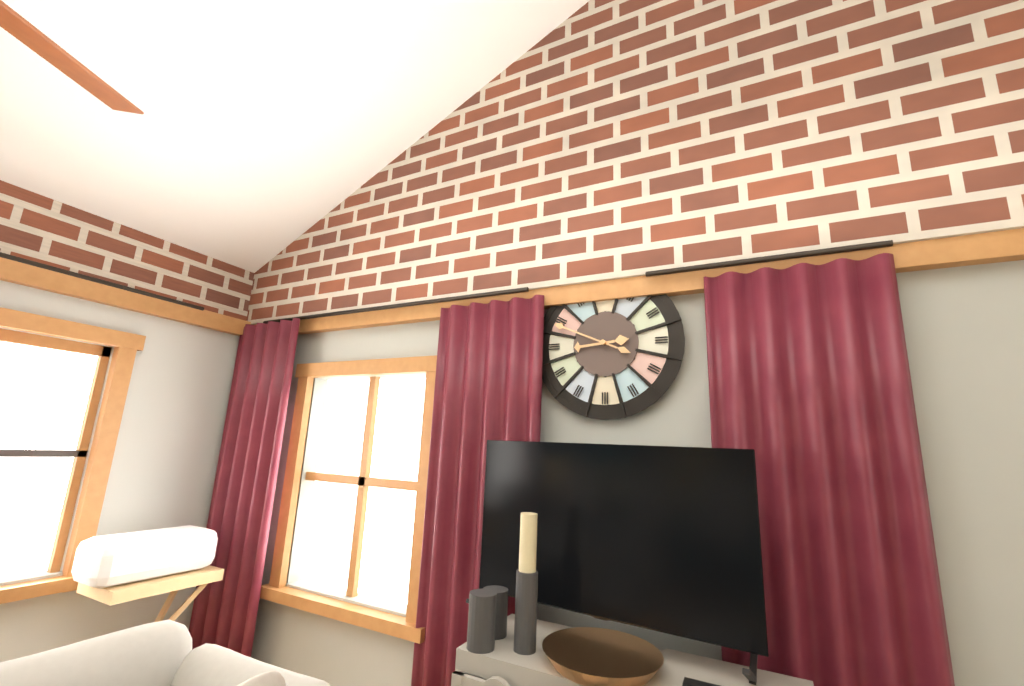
8.49
